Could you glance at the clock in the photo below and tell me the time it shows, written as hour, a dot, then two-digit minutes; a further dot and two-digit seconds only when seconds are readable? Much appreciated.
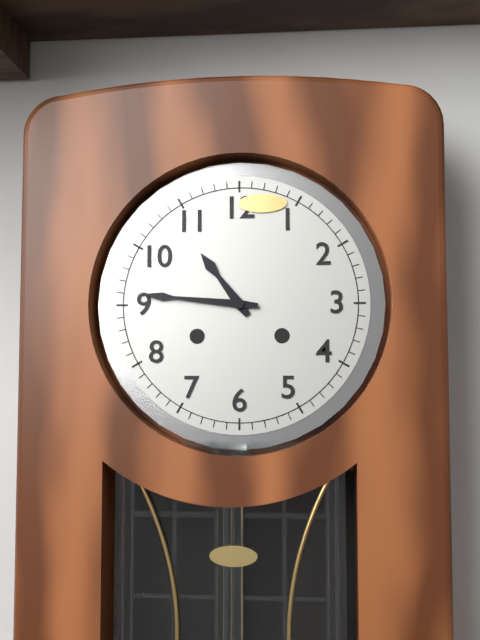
10.46
